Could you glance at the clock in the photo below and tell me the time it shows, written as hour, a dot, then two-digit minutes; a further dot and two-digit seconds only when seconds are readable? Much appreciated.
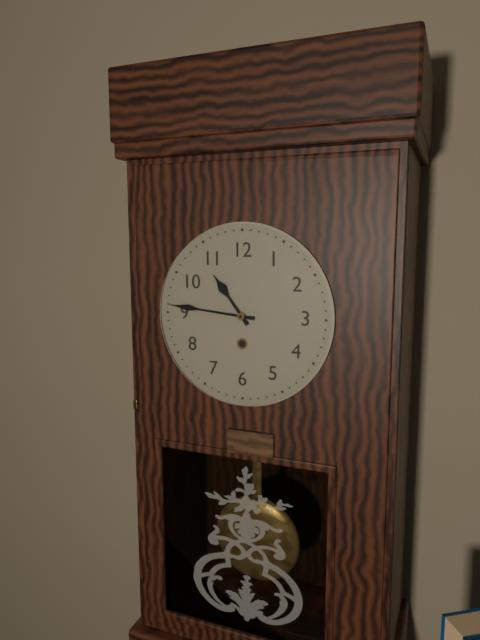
10.46
